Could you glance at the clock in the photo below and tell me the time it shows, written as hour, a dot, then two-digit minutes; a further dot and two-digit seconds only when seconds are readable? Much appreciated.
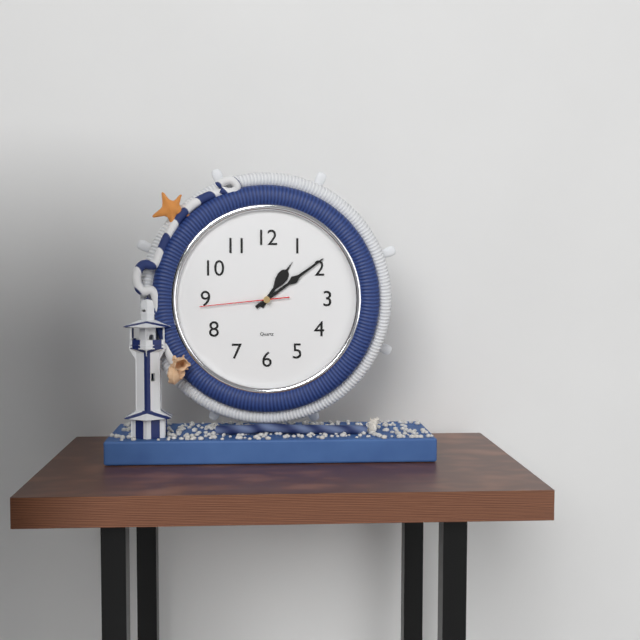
1.09.44
